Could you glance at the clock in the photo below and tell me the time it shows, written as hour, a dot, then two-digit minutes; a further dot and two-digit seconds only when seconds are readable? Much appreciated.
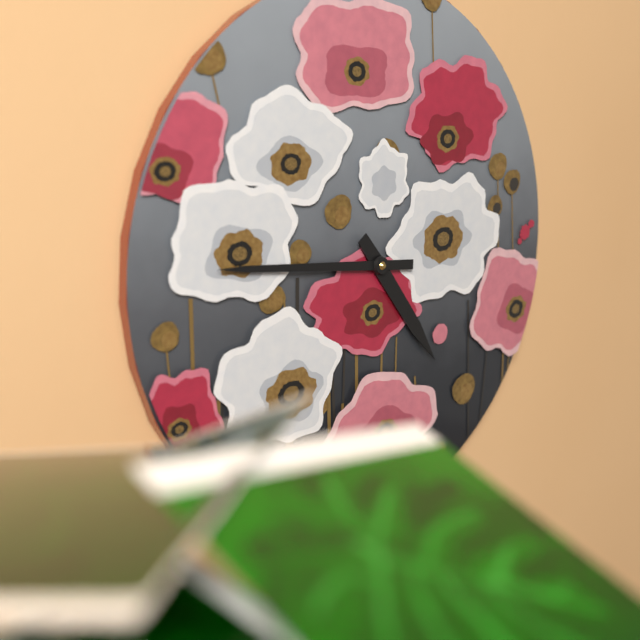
4.46
